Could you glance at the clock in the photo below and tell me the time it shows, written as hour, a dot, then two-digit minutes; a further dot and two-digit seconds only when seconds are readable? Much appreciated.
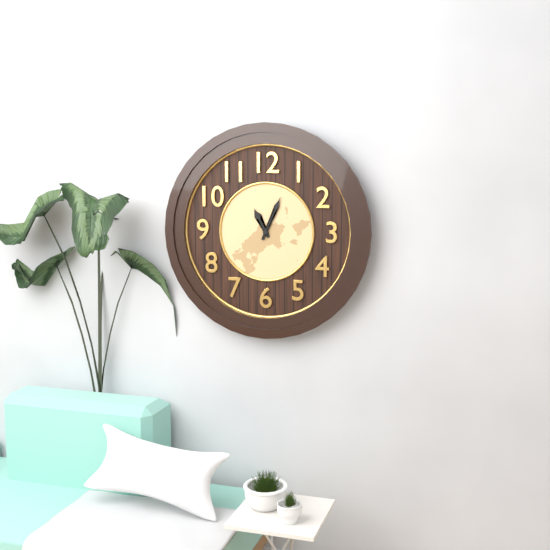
11.04
